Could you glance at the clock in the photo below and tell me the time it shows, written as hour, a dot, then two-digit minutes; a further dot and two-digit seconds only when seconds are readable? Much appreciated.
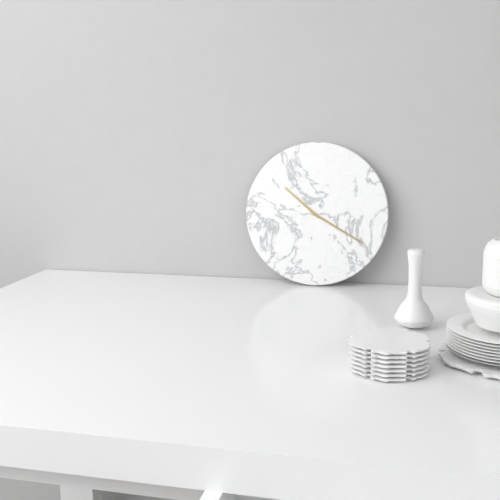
10.20
